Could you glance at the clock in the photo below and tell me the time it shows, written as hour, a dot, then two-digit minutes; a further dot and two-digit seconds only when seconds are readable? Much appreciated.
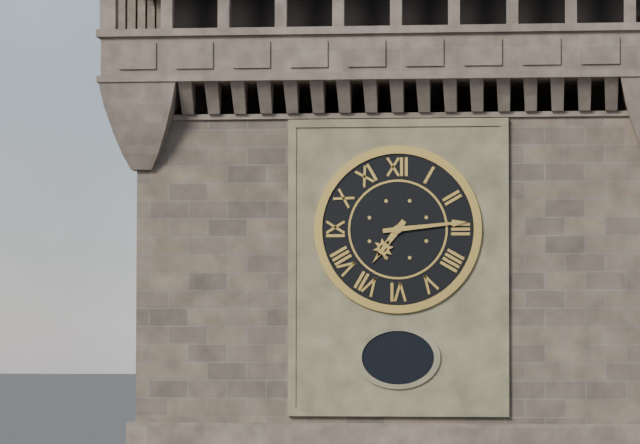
7.14
